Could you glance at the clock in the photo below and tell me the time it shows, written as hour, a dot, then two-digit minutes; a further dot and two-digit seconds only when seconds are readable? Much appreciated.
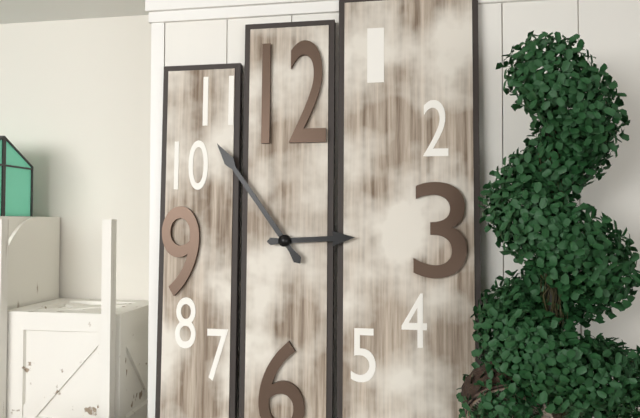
2.54
